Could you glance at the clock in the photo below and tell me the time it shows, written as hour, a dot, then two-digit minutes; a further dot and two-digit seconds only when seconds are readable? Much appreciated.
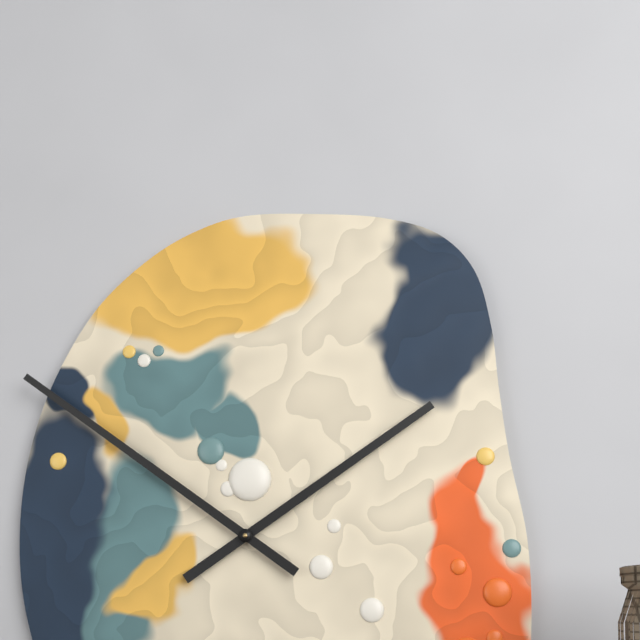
1.51
